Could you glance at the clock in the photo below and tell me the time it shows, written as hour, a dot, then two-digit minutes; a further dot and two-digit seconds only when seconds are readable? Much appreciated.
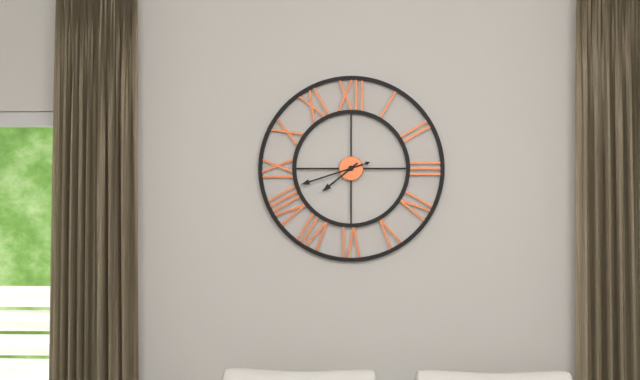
7.42
